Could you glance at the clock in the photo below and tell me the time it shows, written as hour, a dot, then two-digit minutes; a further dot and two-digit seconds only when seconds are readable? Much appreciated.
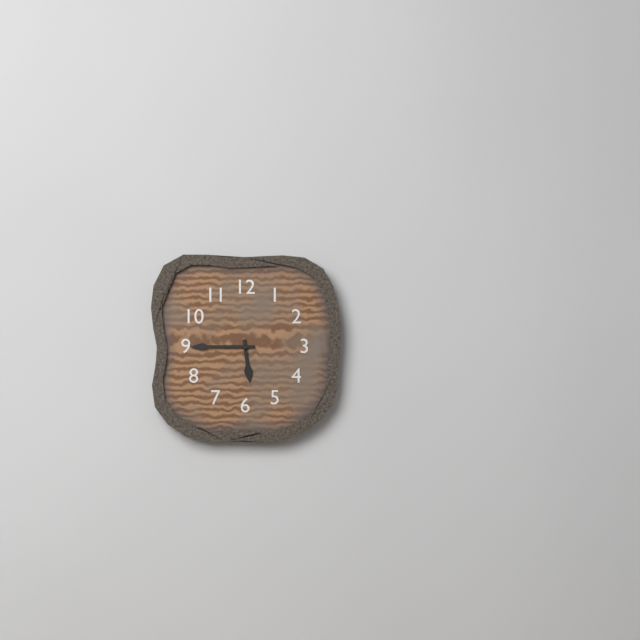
5.45
